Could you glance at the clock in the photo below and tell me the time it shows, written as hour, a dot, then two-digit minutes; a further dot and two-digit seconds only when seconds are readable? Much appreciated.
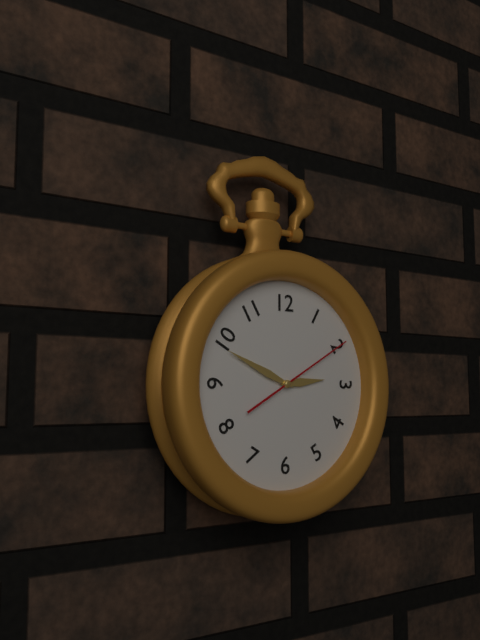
2.49.10
